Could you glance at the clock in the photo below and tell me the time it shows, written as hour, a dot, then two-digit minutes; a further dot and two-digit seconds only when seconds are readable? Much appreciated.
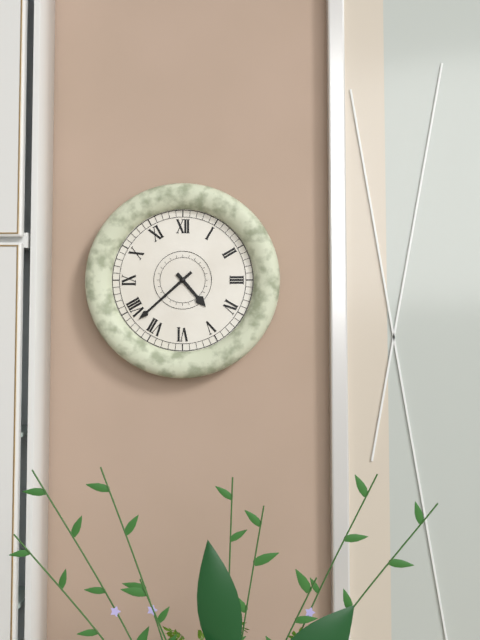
4.38
